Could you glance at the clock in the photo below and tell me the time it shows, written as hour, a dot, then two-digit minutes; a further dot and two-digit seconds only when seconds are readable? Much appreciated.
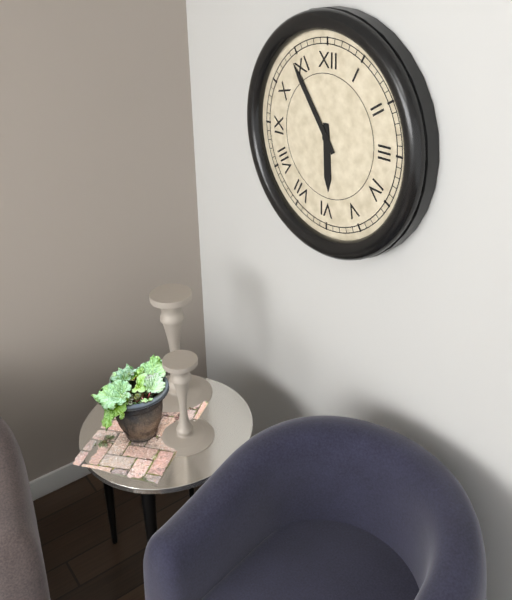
5.54
